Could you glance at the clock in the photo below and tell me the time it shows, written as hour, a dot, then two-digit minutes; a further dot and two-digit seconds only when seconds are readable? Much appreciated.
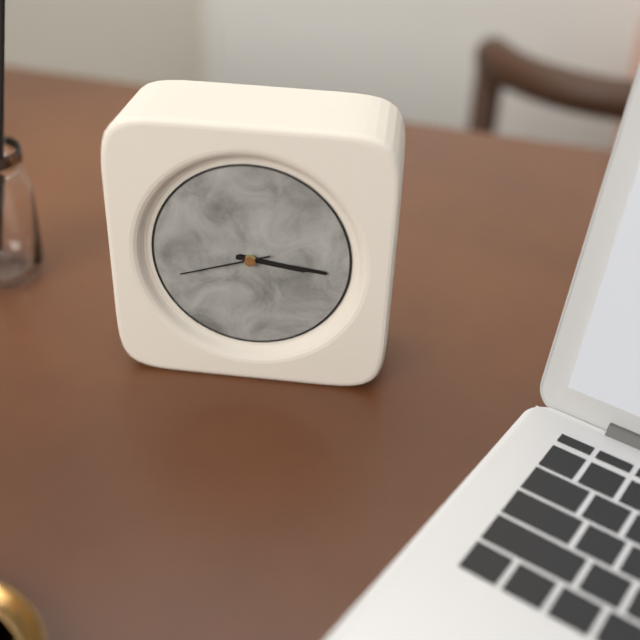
3.16.42
